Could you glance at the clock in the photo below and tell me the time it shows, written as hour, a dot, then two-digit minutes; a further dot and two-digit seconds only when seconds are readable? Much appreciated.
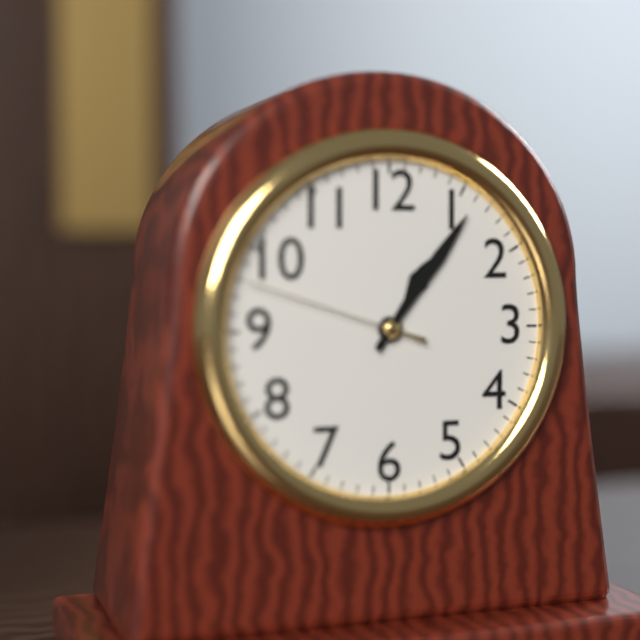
1.06.48
